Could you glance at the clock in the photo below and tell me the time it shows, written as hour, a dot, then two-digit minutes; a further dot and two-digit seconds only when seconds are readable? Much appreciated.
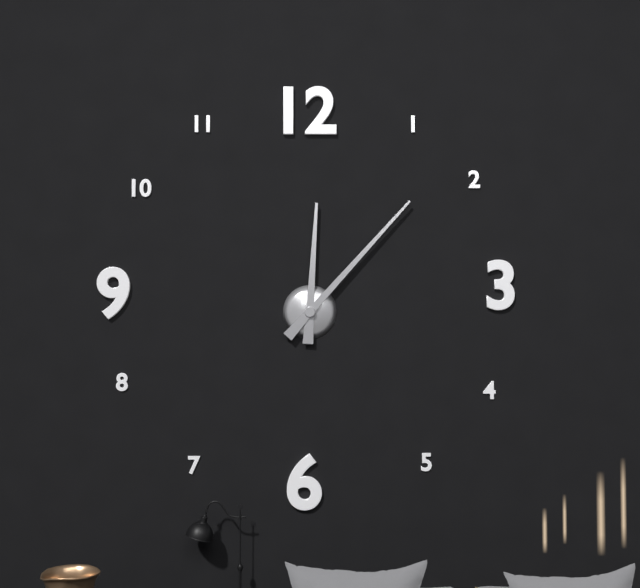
12.07
